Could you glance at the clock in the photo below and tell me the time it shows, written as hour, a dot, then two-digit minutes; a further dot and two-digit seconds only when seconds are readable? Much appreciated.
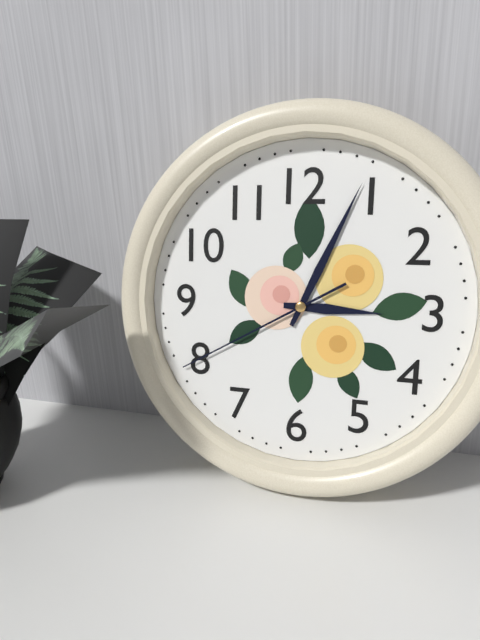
3.04.40
